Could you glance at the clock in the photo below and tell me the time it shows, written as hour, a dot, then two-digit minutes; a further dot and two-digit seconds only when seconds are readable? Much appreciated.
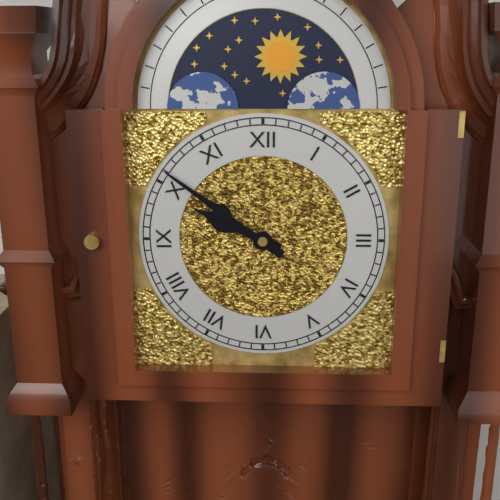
9.51
